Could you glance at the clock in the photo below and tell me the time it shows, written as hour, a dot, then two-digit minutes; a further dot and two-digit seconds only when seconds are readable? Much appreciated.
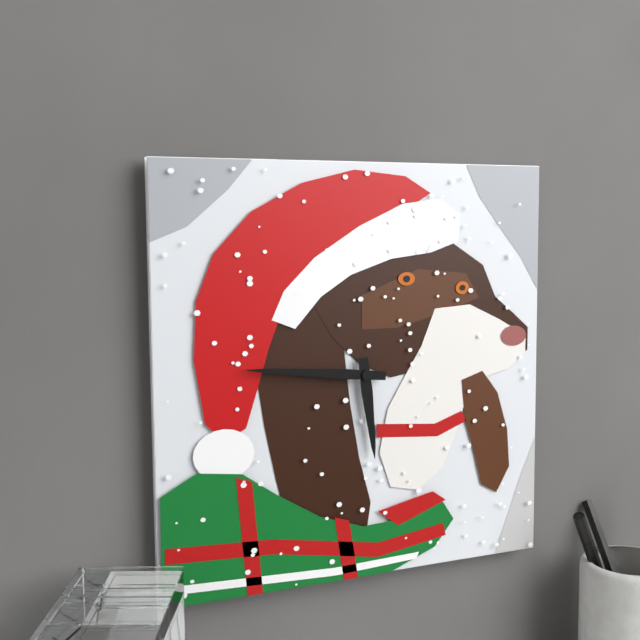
5.46
